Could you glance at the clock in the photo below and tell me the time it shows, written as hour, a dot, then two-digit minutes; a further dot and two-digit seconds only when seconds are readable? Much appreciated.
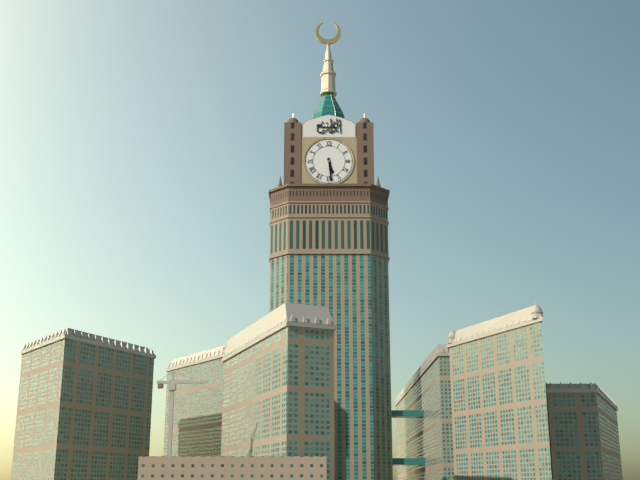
5.29
